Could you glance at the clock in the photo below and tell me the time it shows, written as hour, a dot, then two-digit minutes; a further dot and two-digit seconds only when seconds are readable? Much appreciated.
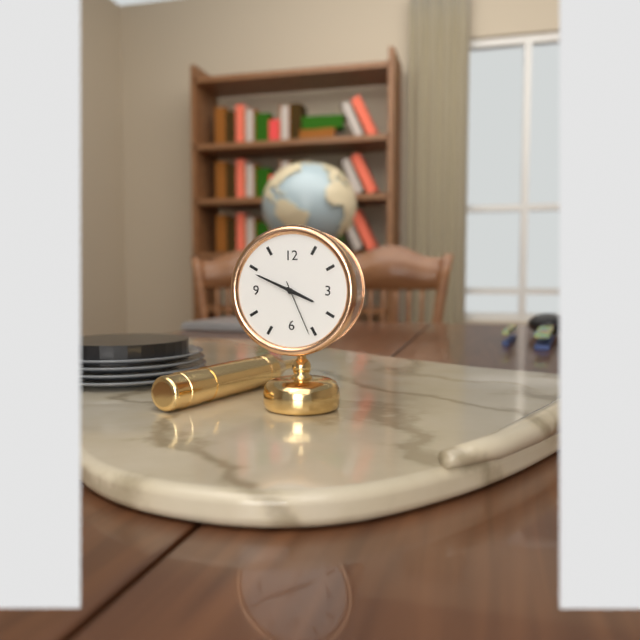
3.49.26
